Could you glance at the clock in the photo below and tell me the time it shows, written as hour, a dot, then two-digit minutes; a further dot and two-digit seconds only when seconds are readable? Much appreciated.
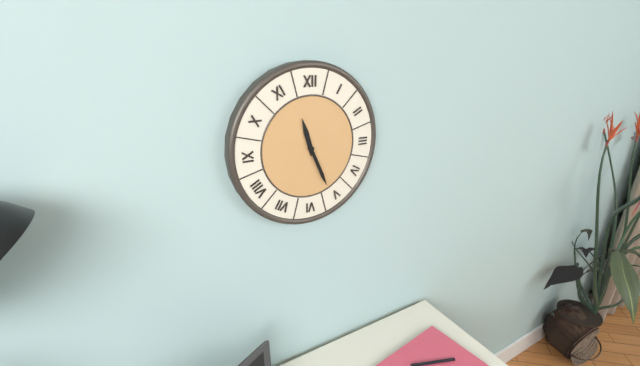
11.26
